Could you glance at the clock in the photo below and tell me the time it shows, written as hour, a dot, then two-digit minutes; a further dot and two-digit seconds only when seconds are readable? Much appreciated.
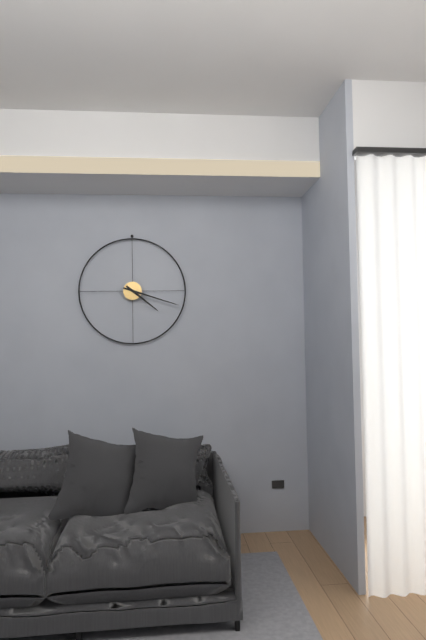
4.18
